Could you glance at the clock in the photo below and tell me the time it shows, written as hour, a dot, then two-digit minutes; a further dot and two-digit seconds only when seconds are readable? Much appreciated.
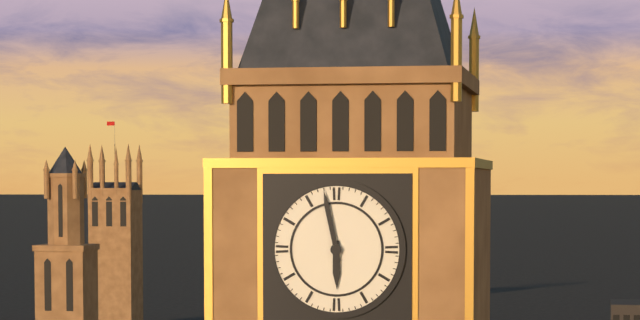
5.58
